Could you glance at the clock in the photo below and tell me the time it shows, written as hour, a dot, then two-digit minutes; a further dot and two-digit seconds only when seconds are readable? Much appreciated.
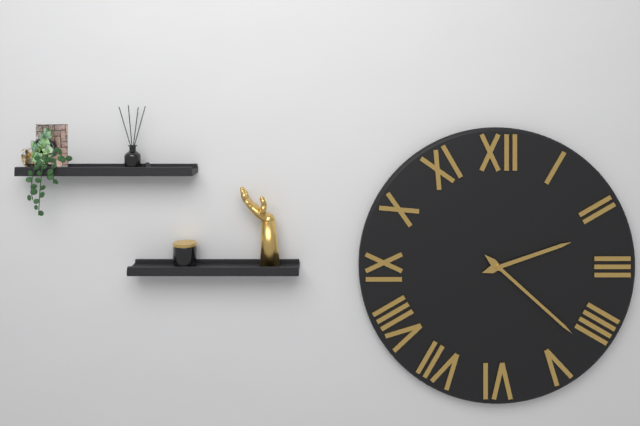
2.22
